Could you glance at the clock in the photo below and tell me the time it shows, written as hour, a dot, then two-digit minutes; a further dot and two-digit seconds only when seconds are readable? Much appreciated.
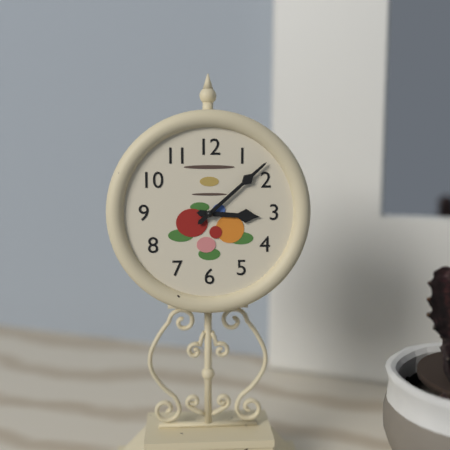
3.08
